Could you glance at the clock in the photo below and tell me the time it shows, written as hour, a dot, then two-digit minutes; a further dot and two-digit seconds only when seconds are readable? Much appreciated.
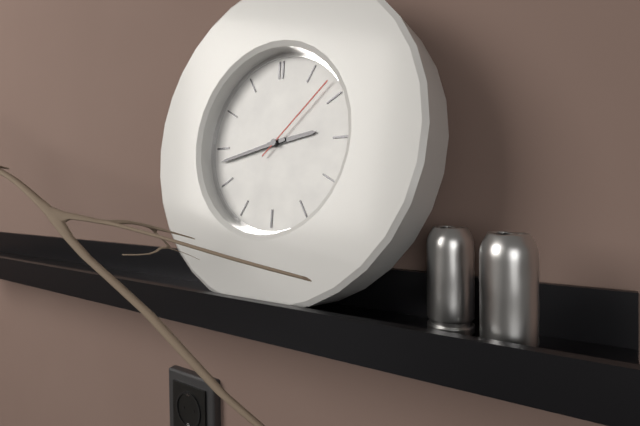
2.43.08
